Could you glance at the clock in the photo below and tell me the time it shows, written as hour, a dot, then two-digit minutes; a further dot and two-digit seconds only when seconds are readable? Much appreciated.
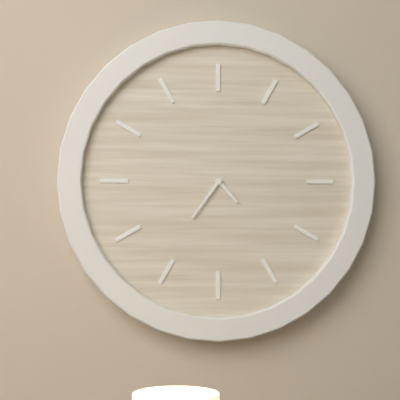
4.36
